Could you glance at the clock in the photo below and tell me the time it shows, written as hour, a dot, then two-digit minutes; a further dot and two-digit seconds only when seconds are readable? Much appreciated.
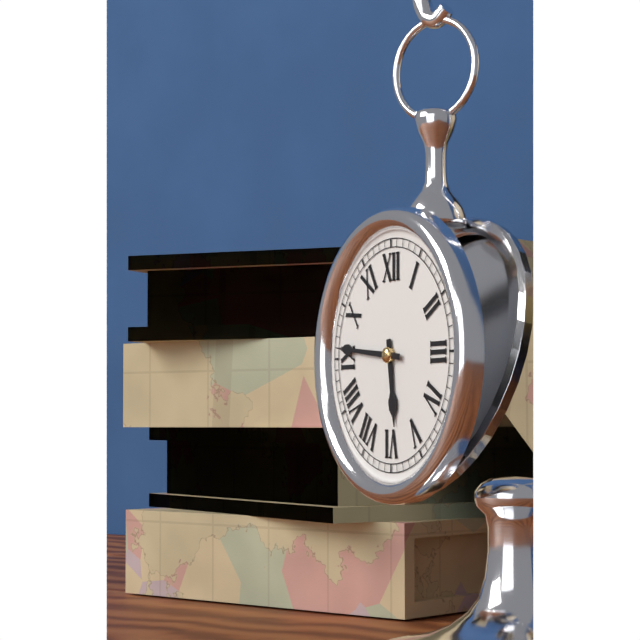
5.46
